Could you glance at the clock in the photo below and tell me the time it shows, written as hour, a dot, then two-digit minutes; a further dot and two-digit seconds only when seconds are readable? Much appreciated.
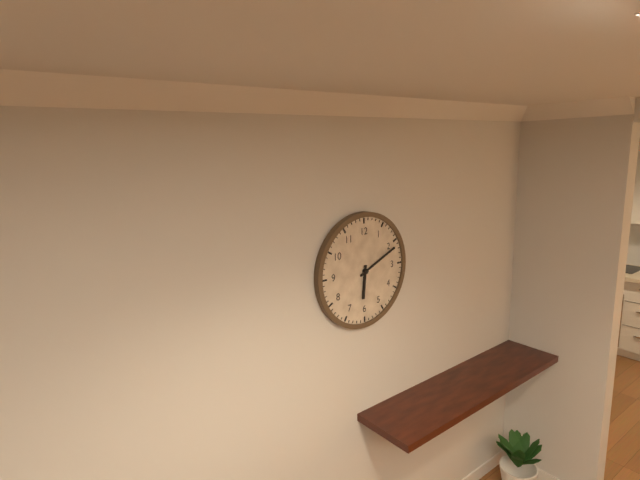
6.11
